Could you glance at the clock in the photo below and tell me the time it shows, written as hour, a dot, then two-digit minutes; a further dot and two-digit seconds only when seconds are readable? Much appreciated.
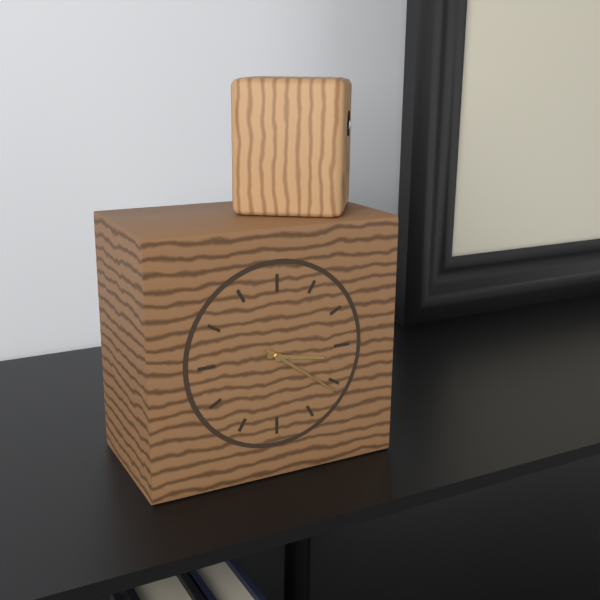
3.21
